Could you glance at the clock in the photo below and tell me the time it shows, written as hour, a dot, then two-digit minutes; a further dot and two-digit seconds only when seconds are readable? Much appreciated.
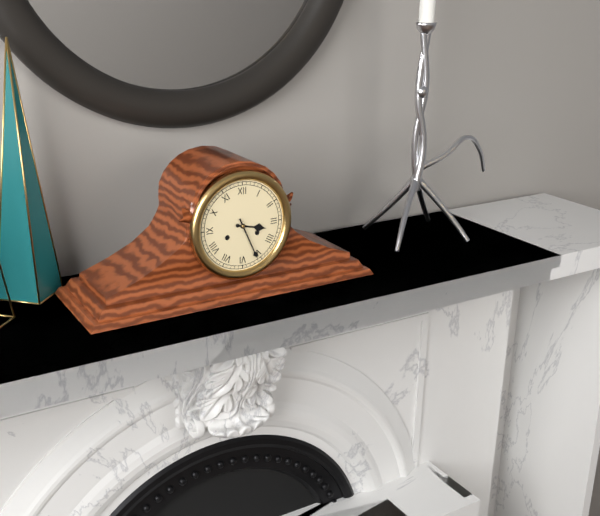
3.26
